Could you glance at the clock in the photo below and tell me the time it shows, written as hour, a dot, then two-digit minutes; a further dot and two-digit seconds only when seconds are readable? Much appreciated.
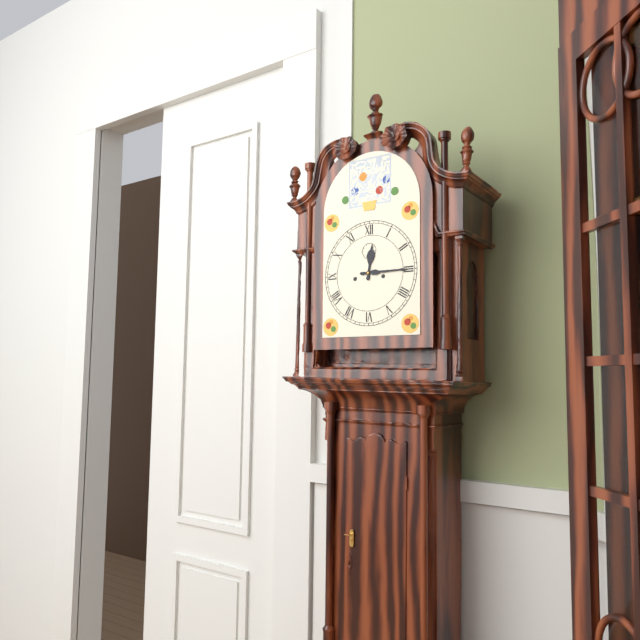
12.15
